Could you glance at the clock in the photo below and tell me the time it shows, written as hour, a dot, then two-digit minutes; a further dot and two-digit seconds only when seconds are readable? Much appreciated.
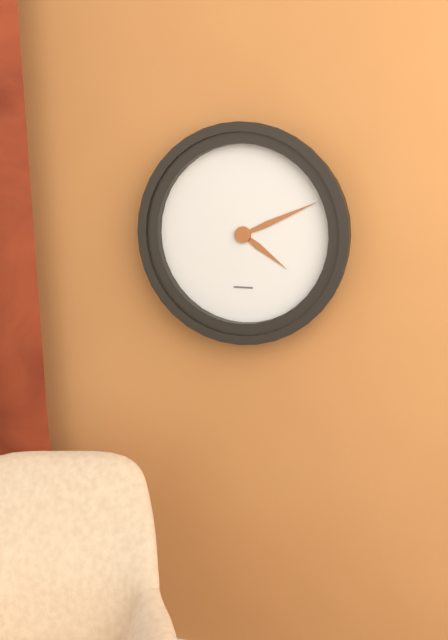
4.11
